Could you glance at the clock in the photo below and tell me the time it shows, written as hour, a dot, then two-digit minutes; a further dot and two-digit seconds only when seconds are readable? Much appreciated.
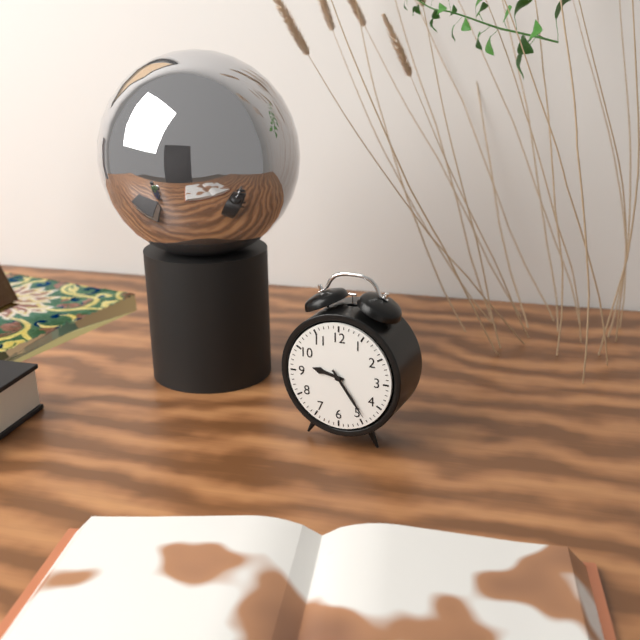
9.24
